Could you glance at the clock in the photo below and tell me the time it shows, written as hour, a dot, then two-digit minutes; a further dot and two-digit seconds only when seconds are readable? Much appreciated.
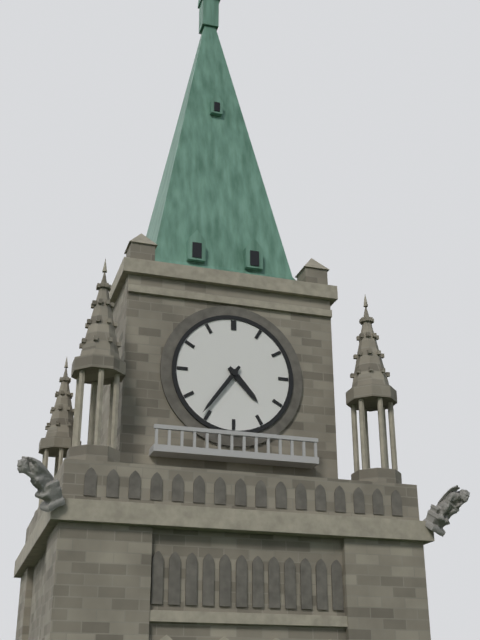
4.36
